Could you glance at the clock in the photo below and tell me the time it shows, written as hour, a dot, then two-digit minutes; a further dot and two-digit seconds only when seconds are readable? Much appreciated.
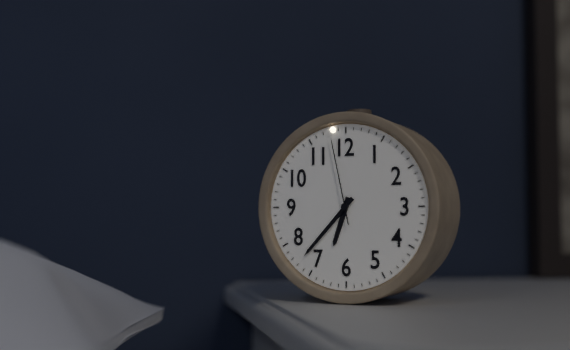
6.37.58
